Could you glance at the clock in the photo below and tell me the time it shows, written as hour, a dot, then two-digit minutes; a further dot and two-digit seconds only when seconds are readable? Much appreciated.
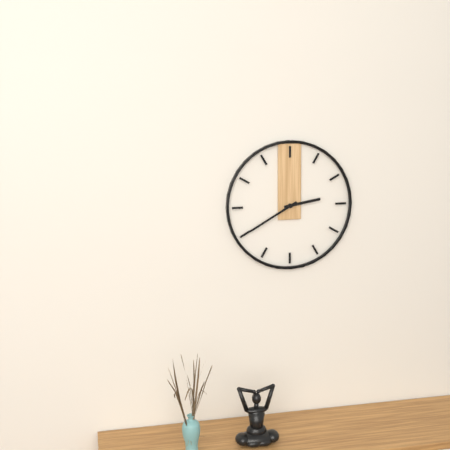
2.40
